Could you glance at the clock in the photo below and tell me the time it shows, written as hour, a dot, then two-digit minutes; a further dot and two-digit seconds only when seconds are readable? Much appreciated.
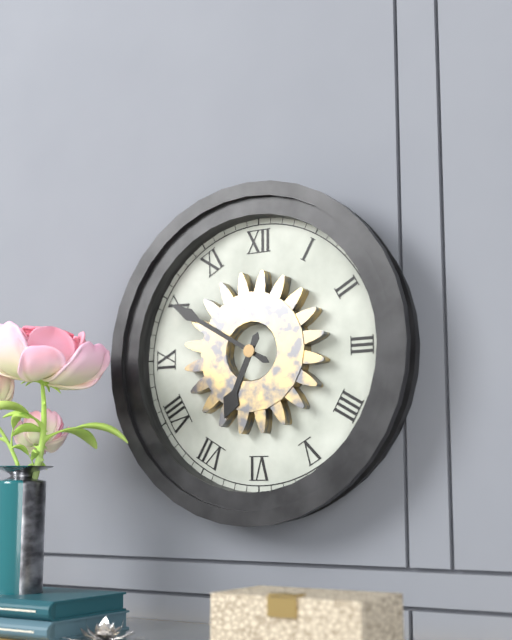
6.50
